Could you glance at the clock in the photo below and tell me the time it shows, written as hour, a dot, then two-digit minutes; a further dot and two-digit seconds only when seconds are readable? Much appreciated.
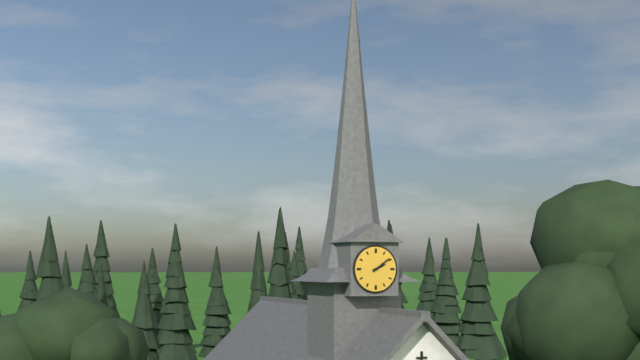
2.09
